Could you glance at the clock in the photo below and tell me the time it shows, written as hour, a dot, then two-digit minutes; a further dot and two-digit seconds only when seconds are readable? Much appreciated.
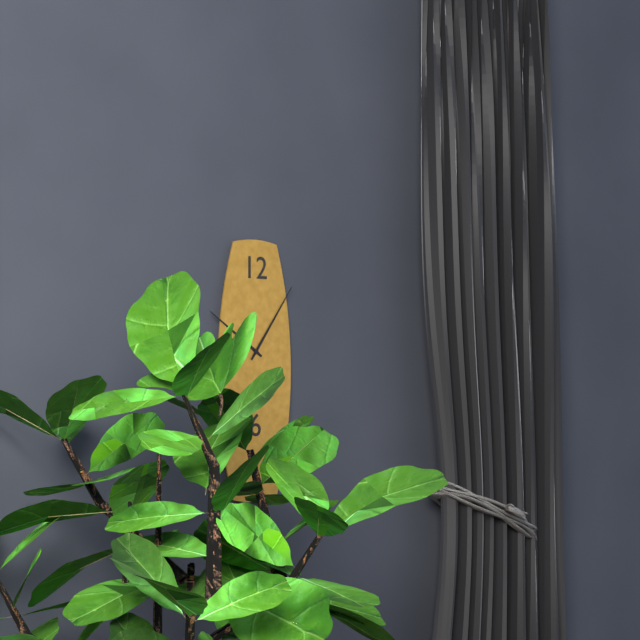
10.06
